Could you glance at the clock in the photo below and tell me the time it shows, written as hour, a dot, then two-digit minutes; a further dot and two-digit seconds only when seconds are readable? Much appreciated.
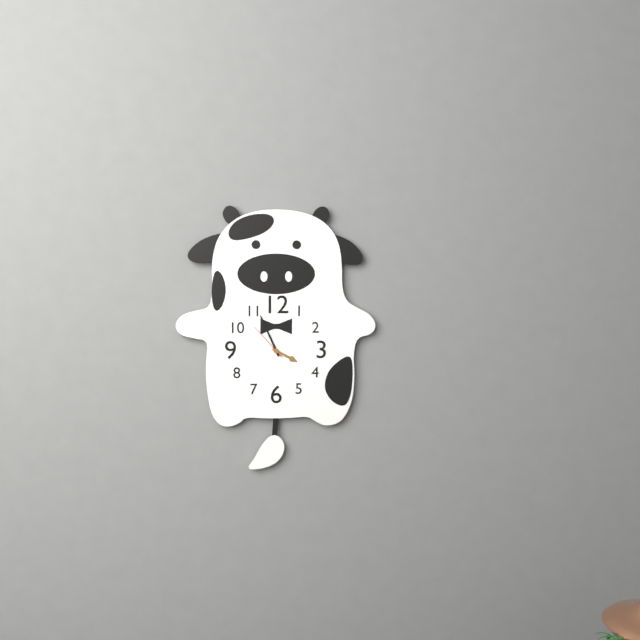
3.56
